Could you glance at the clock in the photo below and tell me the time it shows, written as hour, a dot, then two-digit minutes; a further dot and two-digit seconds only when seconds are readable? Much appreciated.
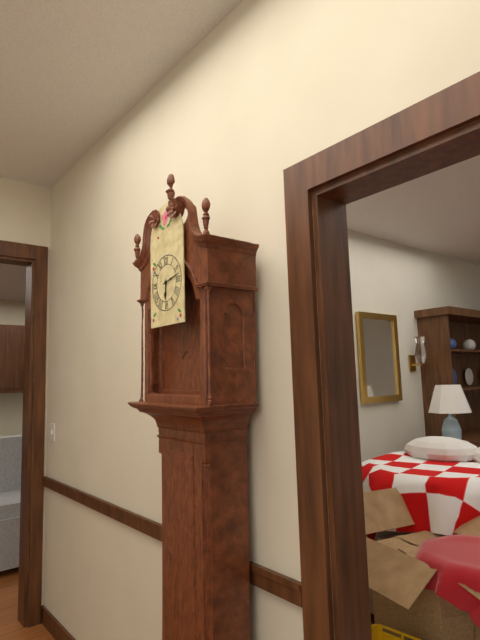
6.13
